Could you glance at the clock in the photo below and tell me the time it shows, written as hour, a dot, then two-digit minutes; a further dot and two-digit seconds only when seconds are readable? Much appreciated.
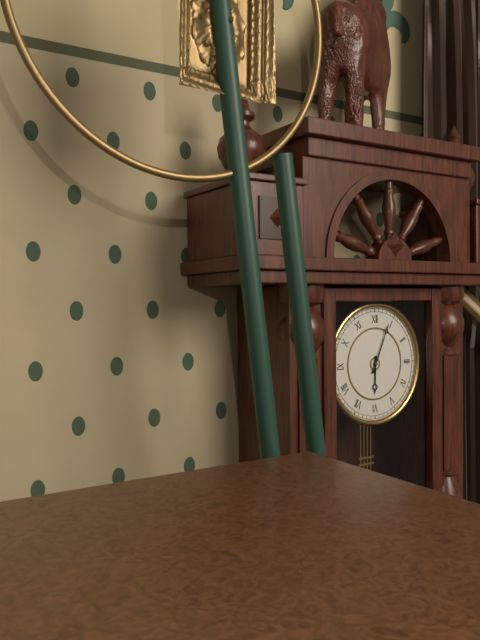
6.04
